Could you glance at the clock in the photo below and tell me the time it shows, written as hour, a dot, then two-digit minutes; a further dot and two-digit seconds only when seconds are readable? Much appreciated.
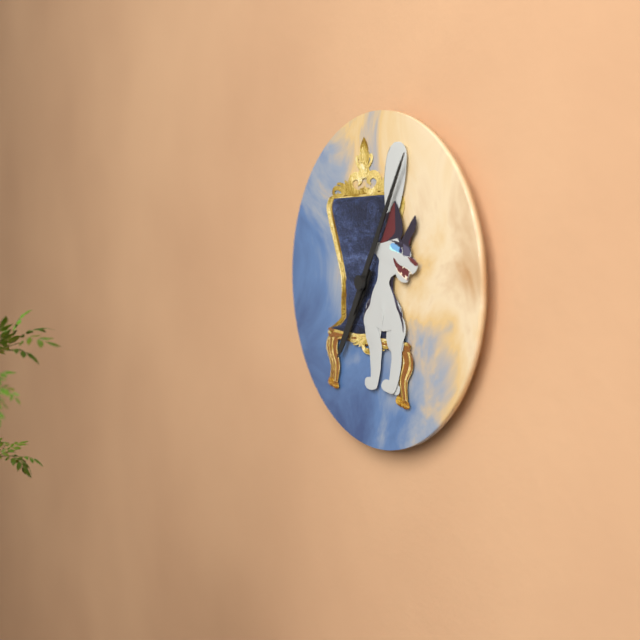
7.05
